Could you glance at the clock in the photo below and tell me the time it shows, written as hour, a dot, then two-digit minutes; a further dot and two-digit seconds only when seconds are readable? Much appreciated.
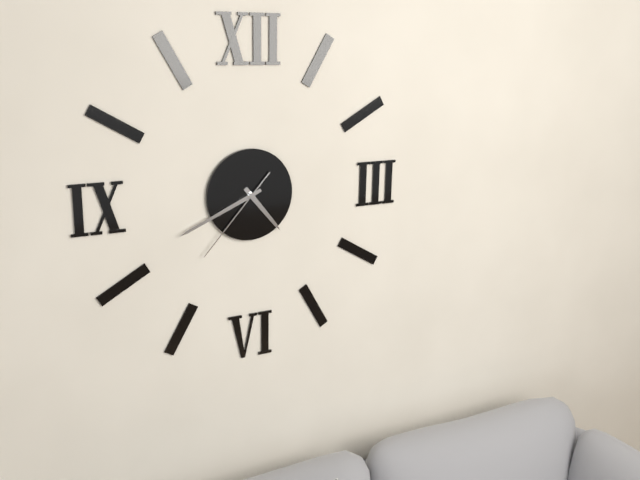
4.41.37
